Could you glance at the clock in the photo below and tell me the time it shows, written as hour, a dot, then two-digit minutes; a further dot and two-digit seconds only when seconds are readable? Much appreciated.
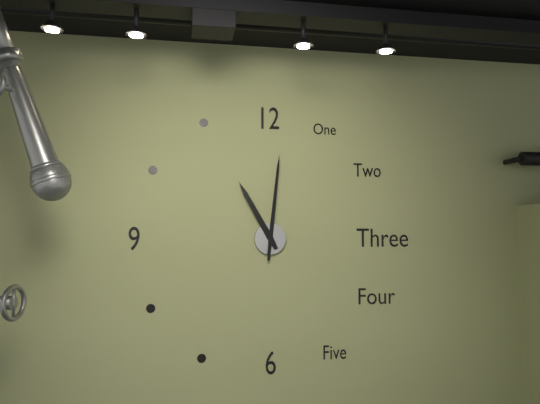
11.01
